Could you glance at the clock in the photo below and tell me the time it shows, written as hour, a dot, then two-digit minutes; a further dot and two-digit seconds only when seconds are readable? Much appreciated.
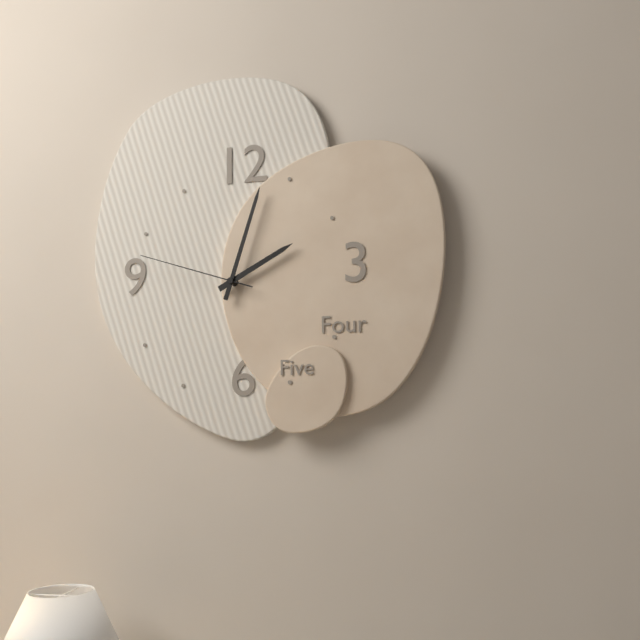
2.03.48
